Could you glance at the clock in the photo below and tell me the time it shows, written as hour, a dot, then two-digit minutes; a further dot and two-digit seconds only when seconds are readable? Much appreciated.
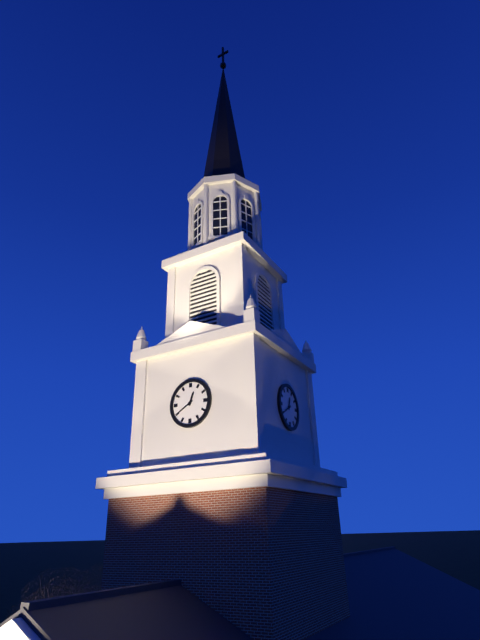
12.40
